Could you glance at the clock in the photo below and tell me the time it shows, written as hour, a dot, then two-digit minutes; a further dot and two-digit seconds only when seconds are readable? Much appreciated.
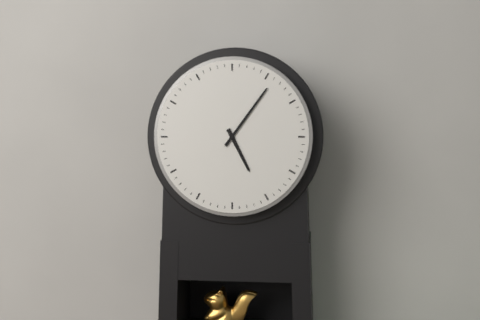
5.06
